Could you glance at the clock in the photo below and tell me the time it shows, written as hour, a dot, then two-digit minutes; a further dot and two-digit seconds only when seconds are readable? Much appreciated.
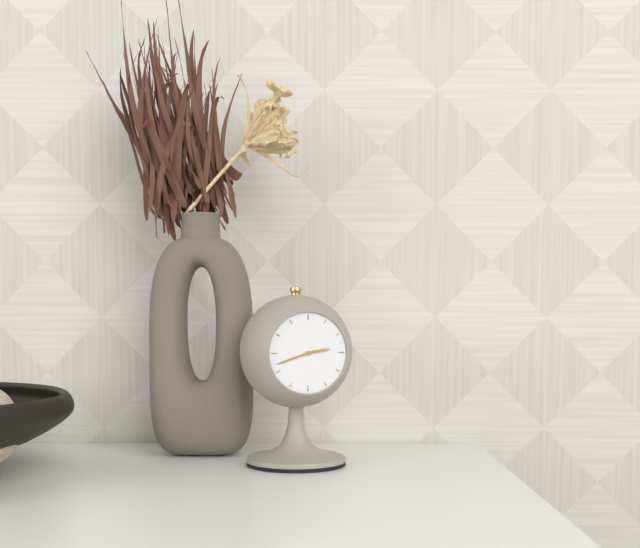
2.42
